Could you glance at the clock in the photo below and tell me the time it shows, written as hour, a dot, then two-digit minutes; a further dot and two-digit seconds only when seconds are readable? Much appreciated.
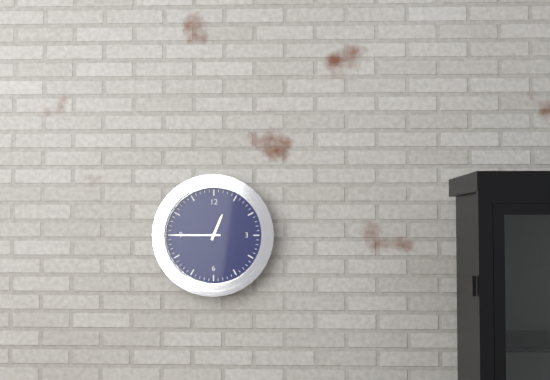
12.45
